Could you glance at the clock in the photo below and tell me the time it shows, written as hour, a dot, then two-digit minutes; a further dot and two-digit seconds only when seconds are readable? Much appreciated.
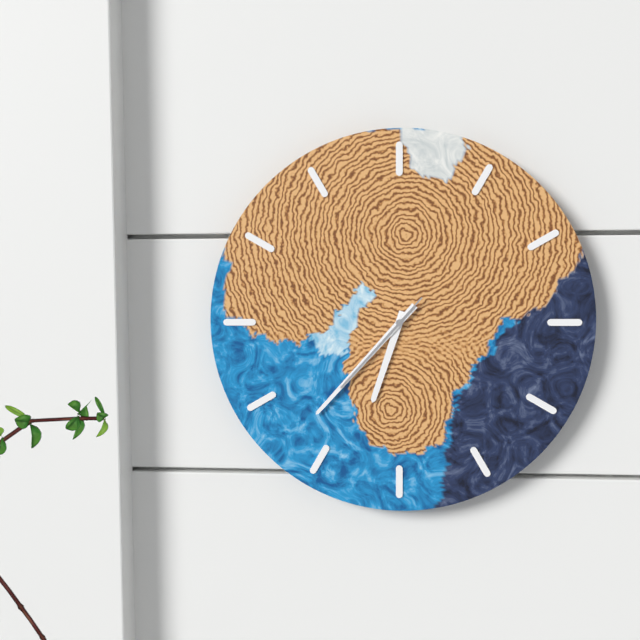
6.37.37
